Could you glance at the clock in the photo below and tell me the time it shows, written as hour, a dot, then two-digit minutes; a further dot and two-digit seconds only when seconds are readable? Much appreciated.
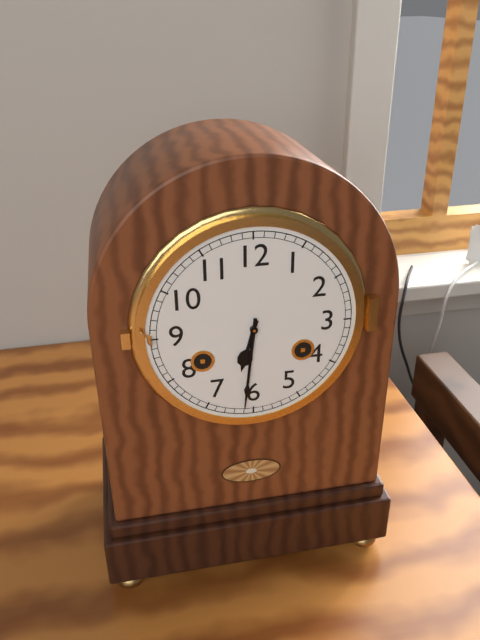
6.31
